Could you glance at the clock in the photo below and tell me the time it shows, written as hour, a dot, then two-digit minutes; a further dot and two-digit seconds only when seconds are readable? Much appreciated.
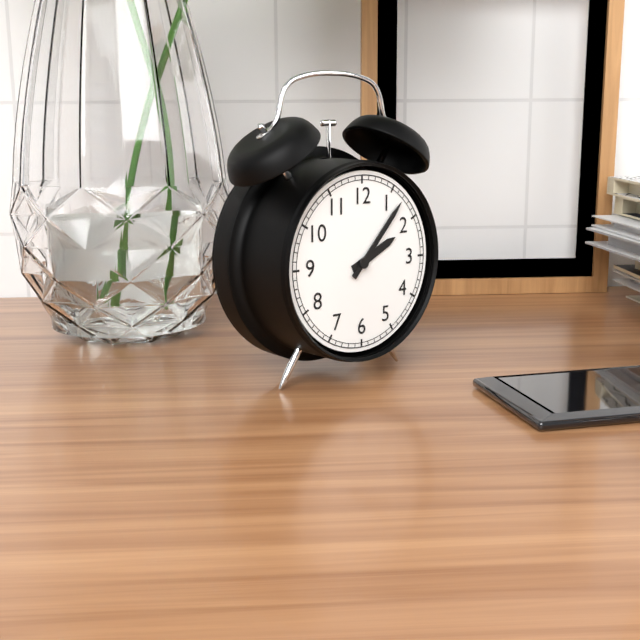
2.07
